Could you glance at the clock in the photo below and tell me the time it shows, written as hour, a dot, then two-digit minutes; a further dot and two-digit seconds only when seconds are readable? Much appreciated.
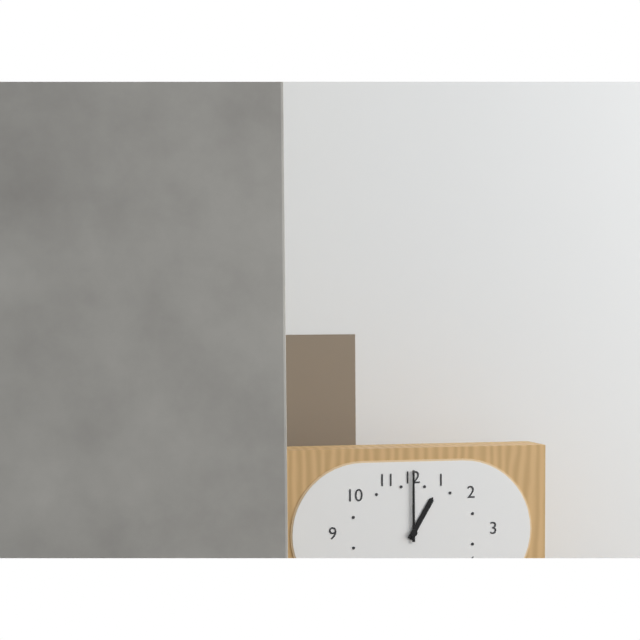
1.00
